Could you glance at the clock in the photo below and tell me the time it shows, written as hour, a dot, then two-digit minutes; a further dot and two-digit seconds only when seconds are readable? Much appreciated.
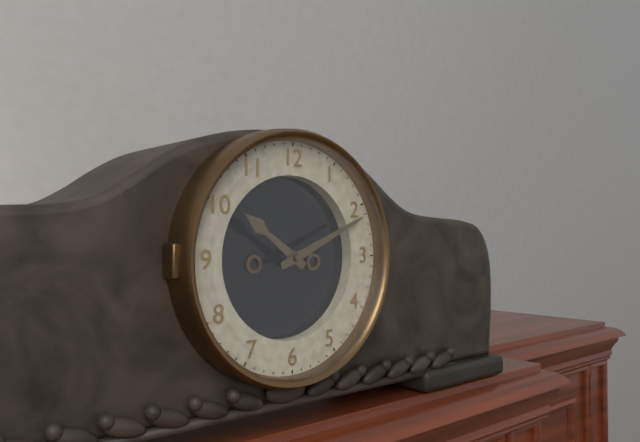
10.11
